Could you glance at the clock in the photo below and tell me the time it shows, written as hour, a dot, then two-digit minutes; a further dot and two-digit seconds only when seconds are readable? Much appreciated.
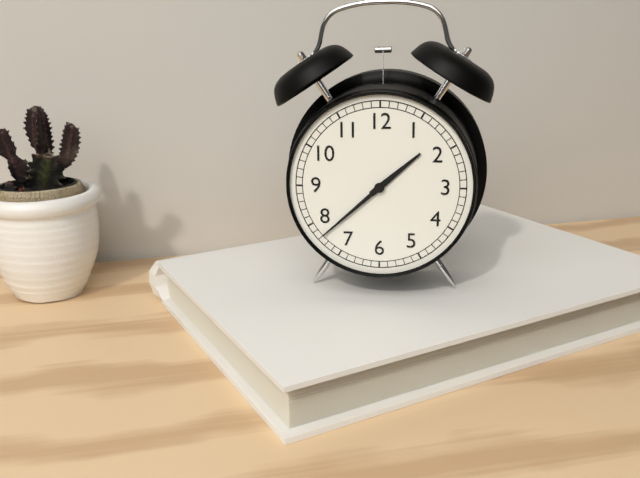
1.38
